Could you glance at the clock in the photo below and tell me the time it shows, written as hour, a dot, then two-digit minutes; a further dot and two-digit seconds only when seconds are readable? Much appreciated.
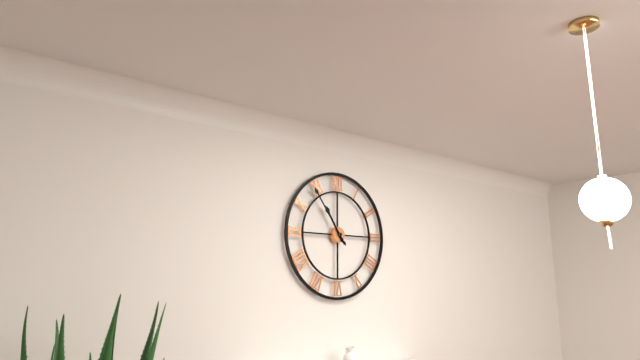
10.54
